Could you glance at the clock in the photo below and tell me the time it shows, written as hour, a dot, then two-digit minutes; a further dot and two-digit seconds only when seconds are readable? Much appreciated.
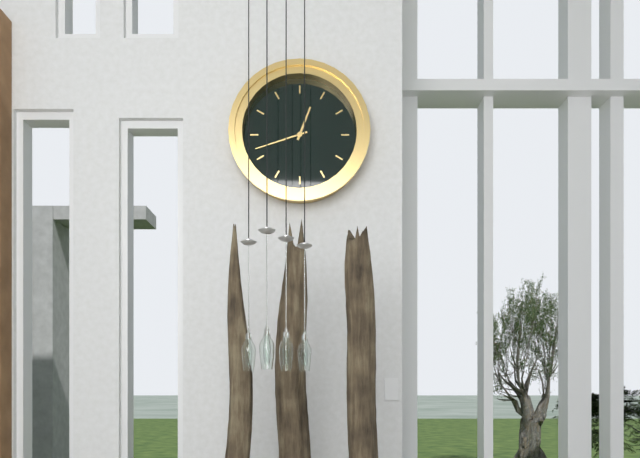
12.42
